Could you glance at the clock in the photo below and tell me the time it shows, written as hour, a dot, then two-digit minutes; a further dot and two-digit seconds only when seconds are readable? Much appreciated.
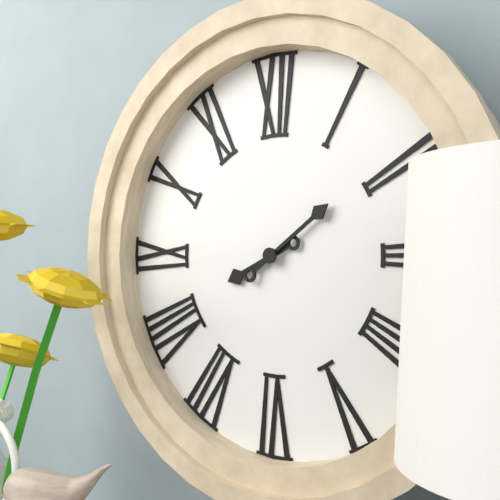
8.09
